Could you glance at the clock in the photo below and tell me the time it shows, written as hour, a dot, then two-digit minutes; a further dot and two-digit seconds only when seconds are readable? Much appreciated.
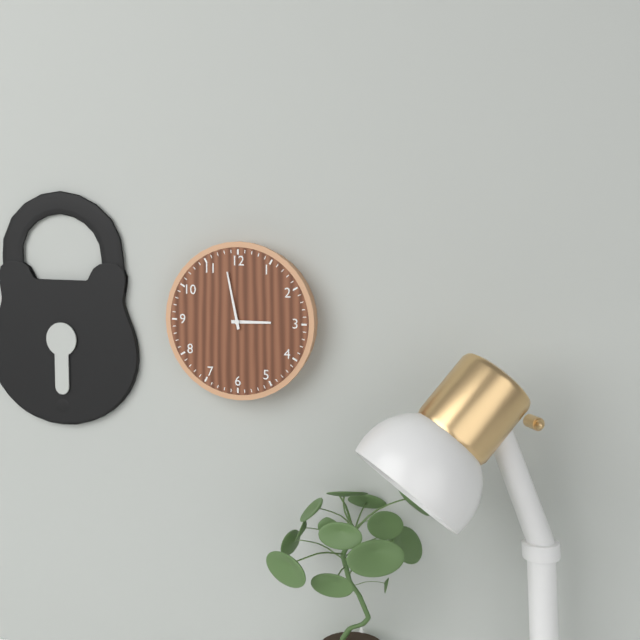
2.58
